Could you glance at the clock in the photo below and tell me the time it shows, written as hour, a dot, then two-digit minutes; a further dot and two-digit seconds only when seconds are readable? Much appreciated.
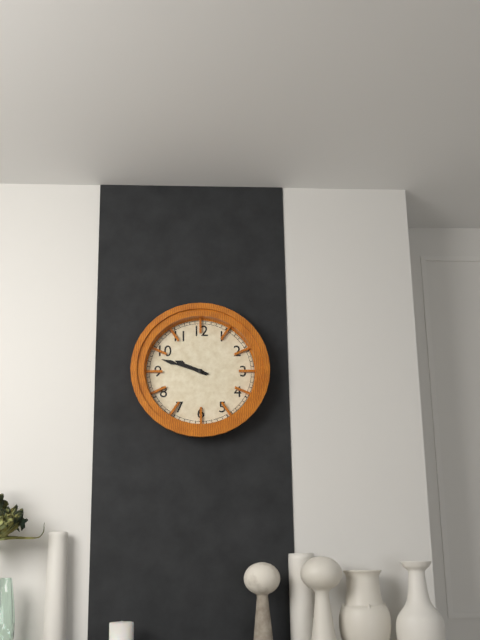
9.48
